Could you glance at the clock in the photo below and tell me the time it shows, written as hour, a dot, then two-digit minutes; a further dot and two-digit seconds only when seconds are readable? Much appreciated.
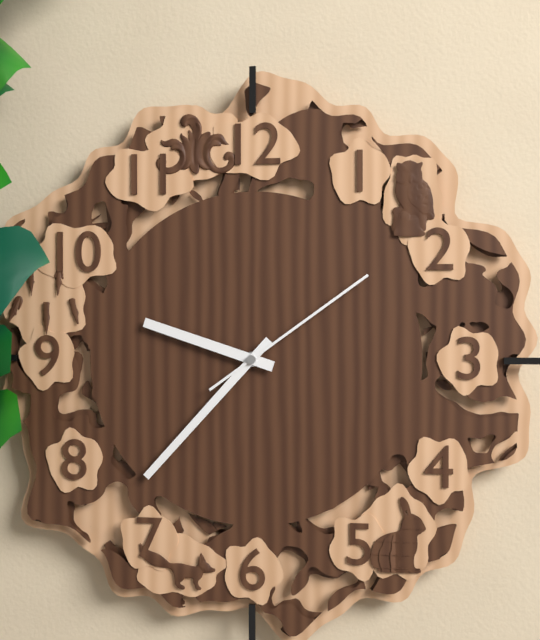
9.37.09
